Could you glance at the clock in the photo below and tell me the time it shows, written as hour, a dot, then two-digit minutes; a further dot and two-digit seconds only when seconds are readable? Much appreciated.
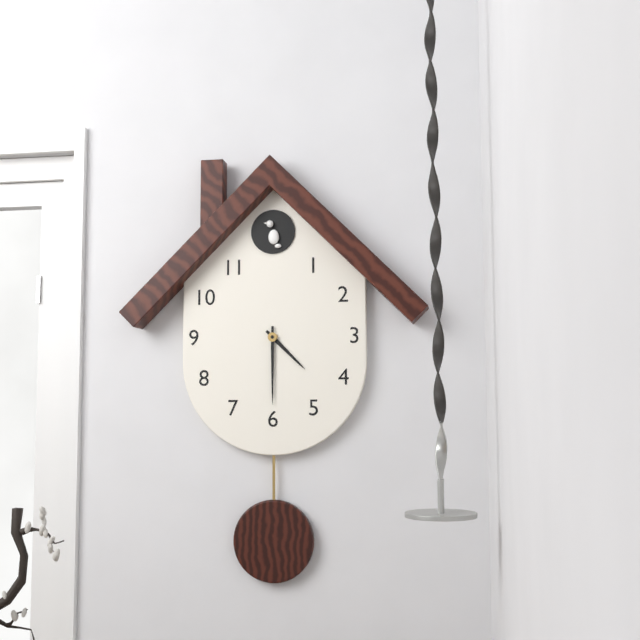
4.30
